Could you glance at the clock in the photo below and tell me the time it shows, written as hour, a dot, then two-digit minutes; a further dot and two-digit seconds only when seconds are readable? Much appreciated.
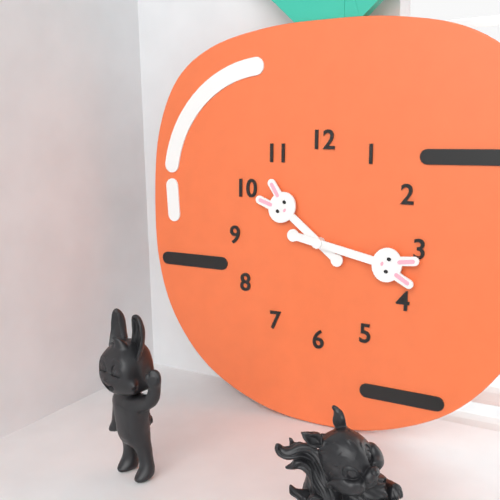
10.17
